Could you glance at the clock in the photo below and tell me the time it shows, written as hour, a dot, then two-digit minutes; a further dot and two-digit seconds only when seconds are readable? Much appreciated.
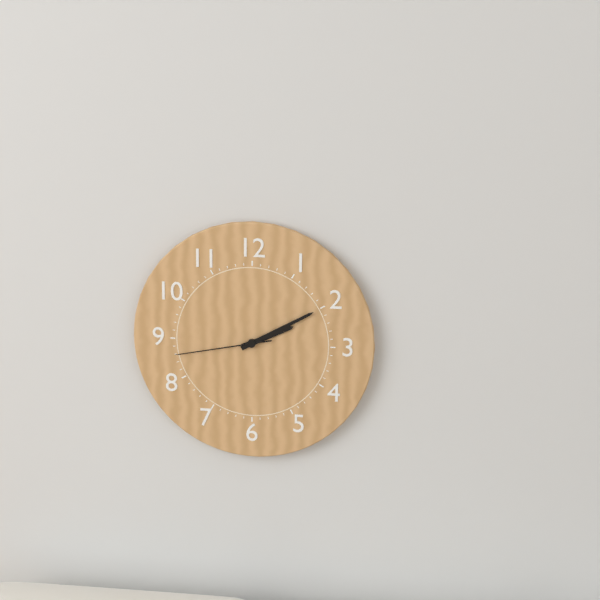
2.10.43
